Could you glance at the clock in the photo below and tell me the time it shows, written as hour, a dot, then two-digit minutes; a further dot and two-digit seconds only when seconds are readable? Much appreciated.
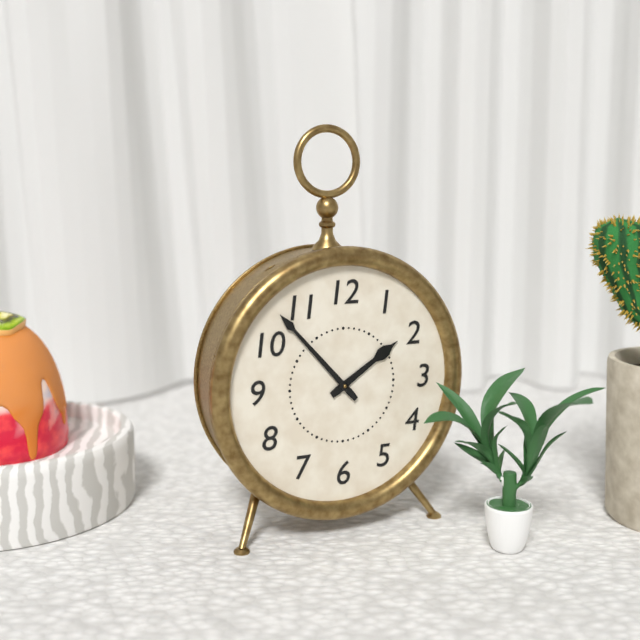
1.53
